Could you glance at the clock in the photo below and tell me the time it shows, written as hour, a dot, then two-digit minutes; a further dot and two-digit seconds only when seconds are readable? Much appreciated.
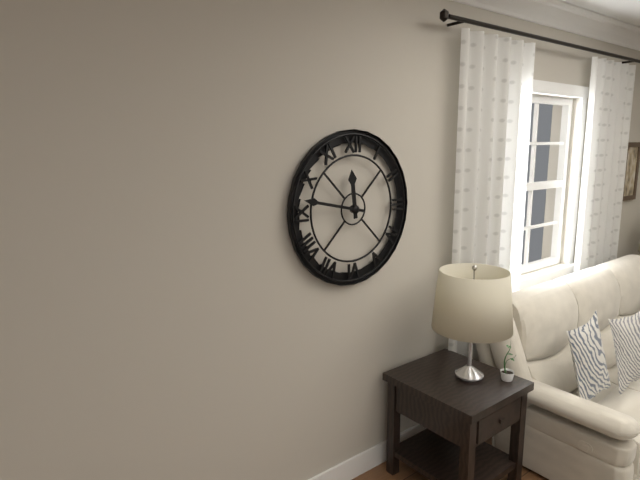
11.47
